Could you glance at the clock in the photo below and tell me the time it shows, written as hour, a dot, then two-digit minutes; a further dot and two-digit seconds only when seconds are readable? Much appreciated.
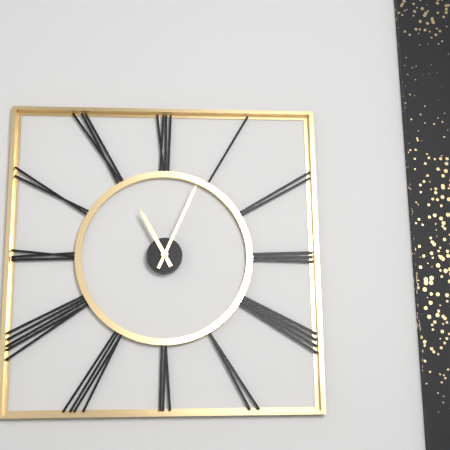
11.04
